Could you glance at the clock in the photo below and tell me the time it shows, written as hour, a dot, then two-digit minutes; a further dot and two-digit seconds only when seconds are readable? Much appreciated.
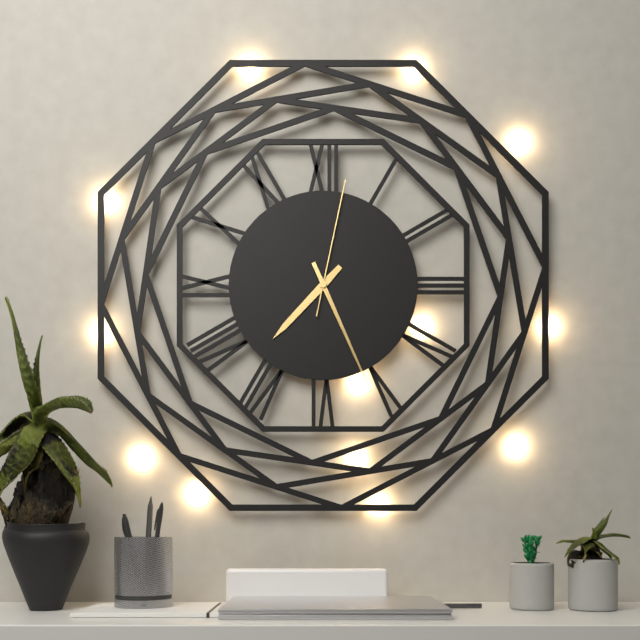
7.26.02
